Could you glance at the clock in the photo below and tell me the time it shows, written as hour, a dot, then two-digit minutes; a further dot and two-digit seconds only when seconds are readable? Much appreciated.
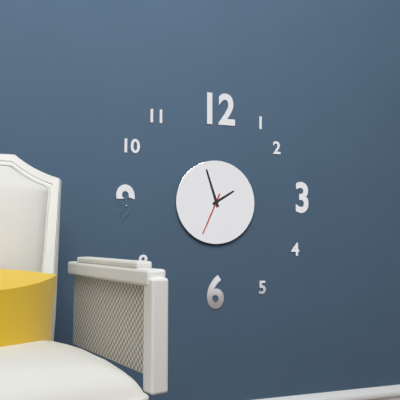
1.57
